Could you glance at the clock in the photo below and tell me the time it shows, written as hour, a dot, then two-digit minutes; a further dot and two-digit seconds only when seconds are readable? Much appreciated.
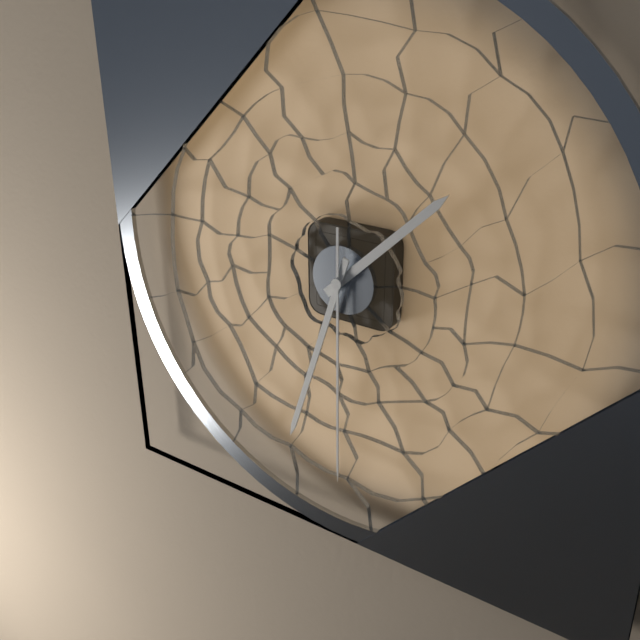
1.33.30
